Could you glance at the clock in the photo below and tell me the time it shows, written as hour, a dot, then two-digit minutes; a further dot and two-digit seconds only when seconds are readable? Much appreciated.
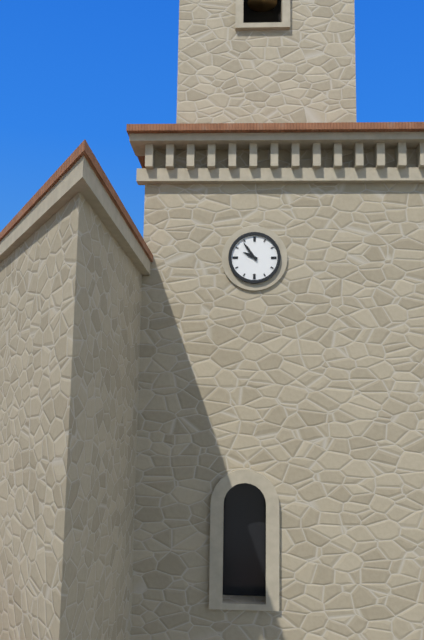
9.54
